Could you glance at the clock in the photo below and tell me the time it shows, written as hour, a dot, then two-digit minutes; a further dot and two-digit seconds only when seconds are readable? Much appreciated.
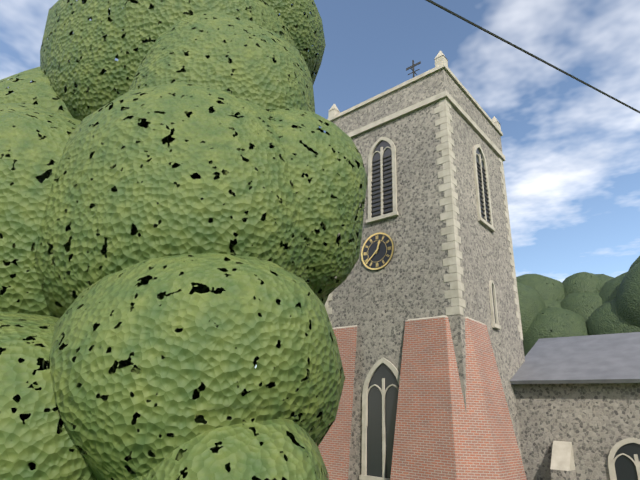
12.38
